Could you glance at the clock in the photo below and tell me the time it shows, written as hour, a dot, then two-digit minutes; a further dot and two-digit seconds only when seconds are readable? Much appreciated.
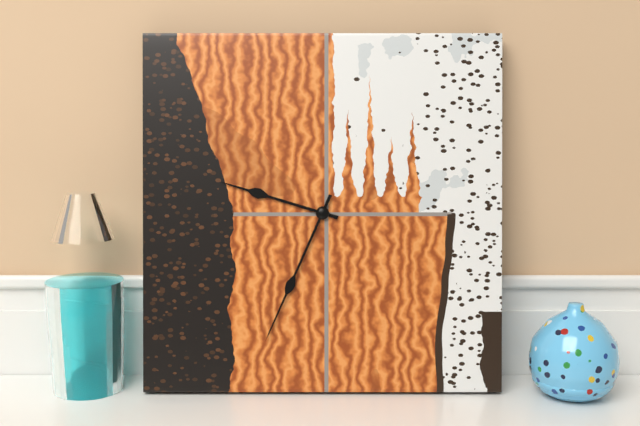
9.34
